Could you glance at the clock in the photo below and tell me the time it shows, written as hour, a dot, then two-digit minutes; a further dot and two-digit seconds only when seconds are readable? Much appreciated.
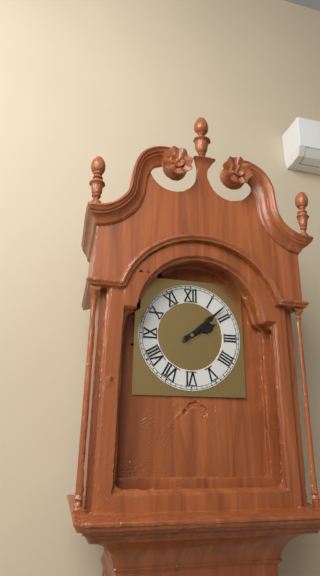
2.08
